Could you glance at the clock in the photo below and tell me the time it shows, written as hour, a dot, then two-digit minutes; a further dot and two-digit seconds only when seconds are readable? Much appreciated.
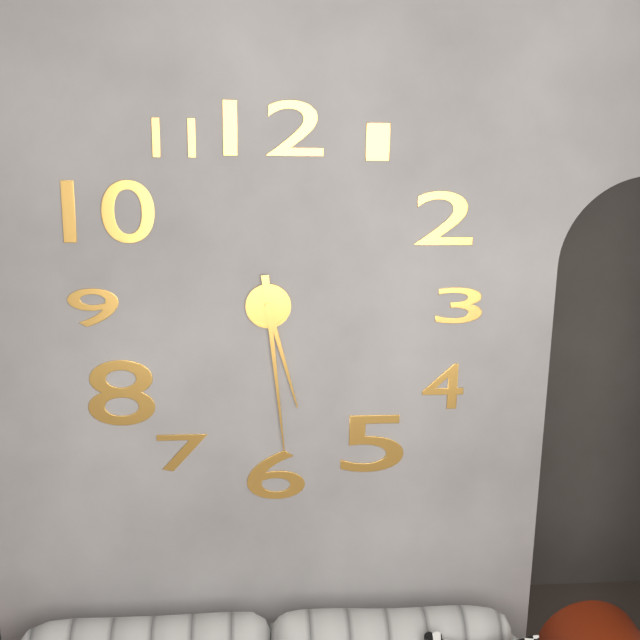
5.29
